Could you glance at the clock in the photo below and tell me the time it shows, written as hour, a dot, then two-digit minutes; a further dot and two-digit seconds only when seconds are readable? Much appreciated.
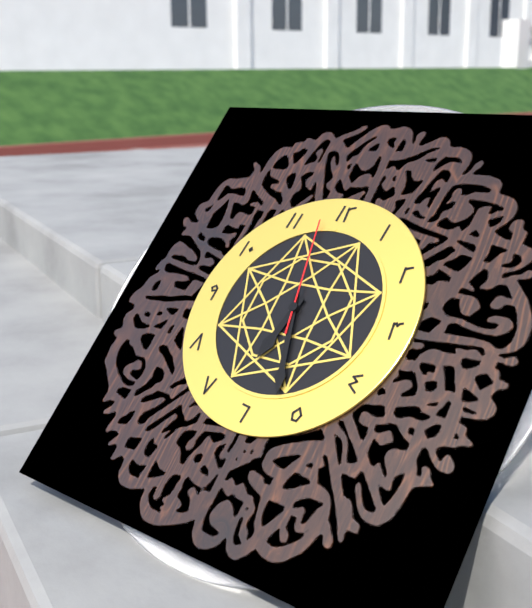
6.27.58
